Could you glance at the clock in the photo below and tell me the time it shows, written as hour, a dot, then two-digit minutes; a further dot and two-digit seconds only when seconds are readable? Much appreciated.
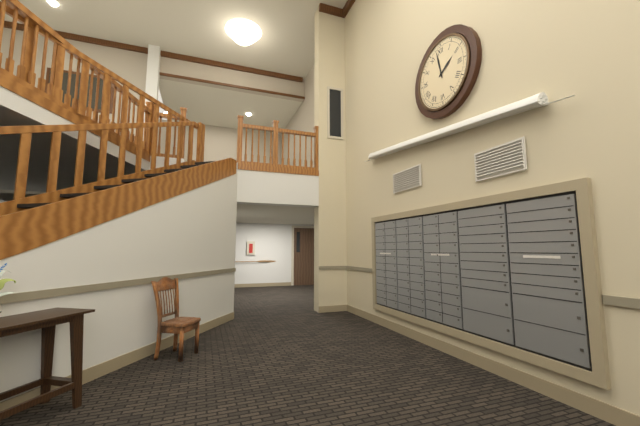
1.58
